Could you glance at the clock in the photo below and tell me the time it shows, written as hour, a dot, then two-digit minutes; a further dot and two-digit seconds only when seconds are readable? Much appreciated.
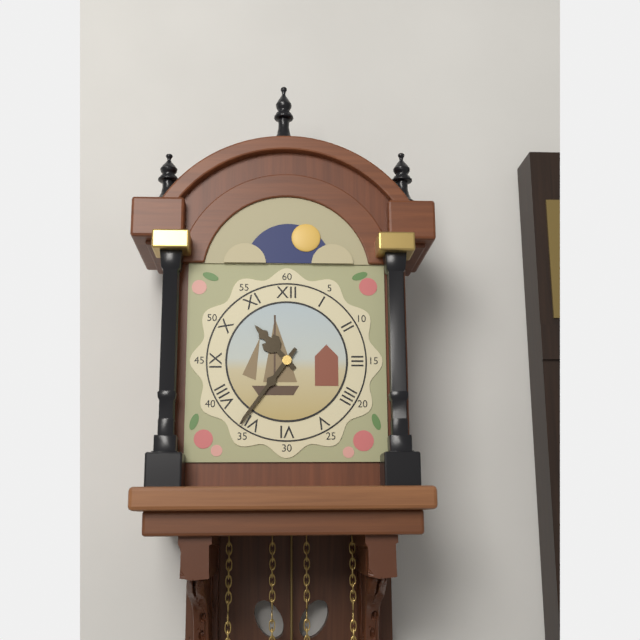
10.36
